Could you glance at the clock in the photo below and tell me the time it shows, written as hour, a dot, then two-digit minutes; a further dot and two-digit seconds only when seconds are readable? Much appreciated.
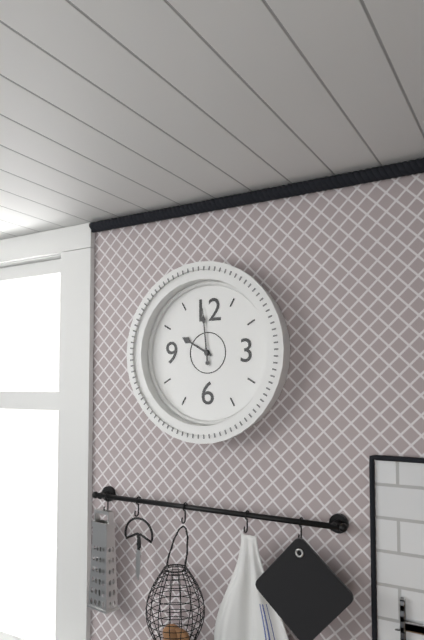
9.59
